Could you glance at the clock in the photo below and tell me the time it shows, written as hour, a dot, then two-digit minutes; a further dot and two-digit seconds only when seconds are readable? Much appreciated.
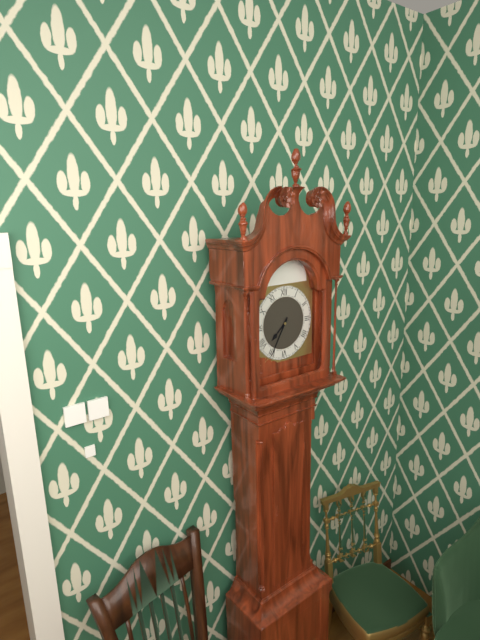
7.35
